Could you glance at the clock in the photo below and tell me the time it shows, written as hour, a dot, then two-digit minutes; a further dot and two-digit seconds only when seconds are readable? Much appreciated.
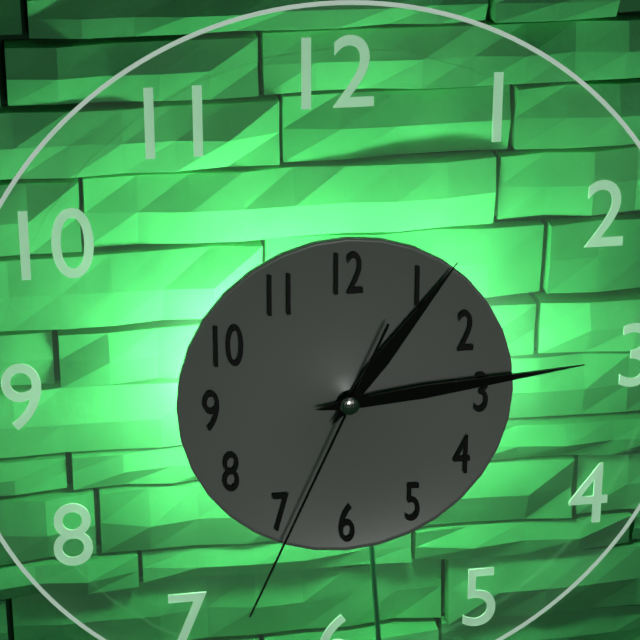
1.14.34
